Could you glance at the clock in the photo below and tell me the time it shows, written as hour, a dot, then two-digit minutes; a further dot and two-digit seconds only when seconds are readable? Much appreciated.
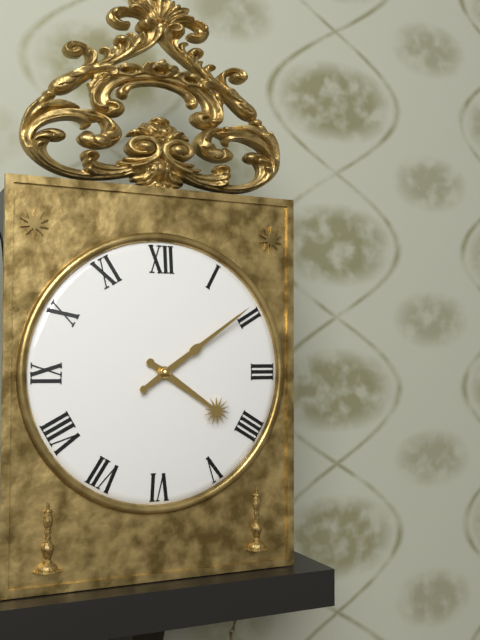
4.09
